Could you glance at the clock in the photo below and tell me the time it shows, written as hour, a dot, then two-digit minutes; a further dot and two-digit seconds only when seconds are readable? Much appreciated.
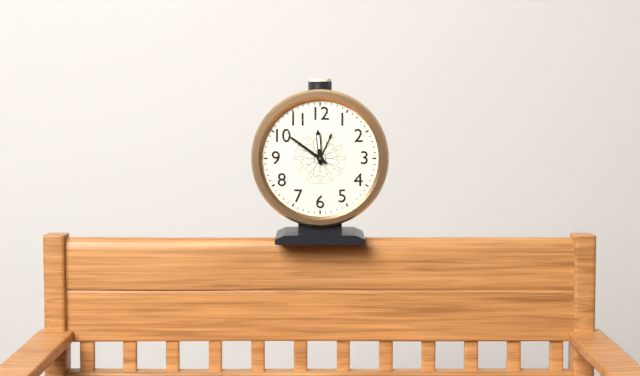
11.51
